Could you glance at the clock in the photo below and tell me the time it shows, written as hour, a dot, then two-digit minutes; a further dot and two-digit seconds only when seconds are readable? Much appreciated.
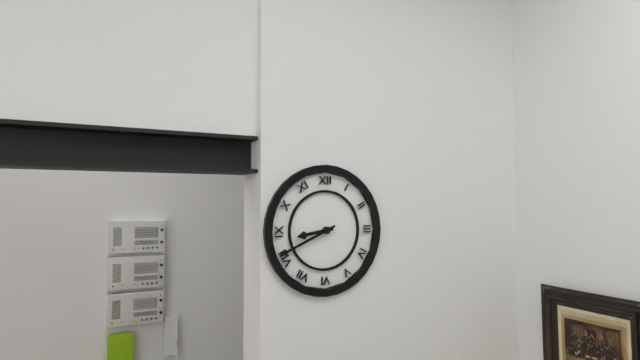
8.41
